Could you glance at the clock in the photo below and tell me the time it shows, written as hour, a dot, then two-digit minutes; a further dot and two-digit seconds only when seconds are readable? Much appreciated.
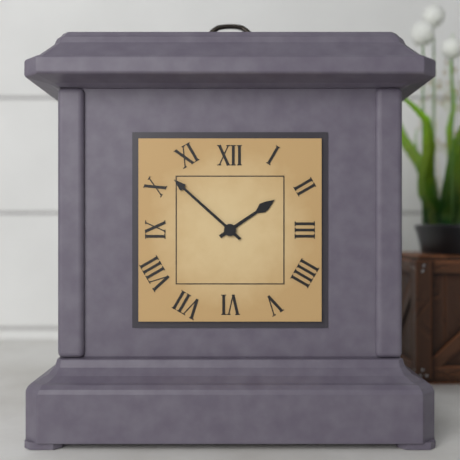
1.52
